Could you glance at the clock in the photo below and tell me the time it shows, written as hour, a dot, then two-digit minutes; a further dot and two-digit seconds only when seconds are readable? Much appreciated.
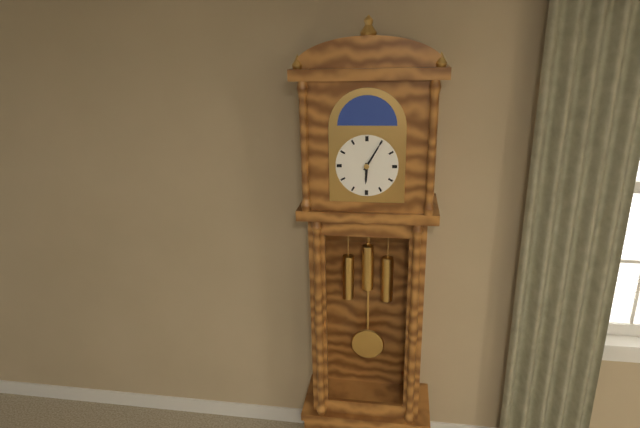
6.05
